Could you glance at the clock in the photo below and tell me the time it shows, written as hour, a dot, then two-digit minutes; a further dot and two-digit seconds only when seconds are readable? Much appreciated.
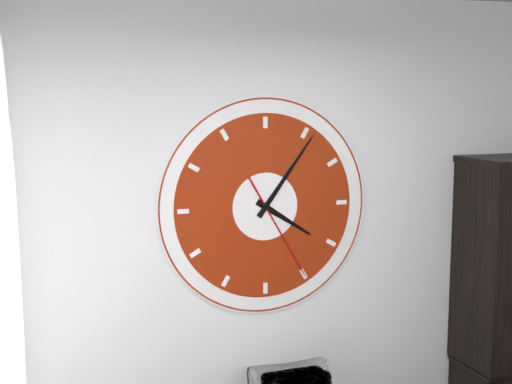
4.06.25
